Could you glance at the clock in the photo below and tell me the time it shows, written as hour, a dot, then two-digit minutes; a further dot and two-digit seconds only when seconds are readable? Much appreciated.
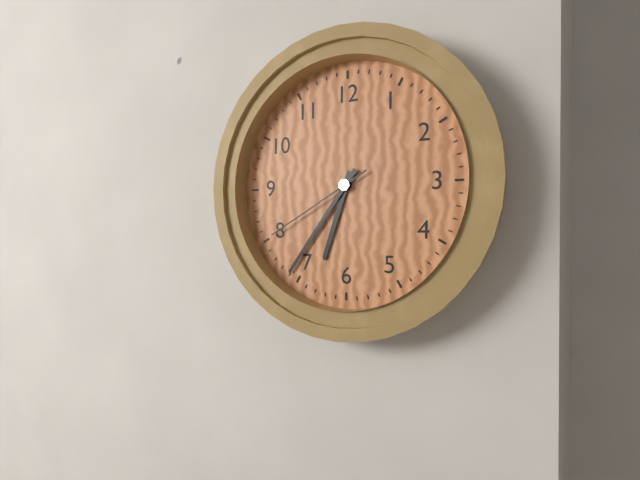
6.36.40
